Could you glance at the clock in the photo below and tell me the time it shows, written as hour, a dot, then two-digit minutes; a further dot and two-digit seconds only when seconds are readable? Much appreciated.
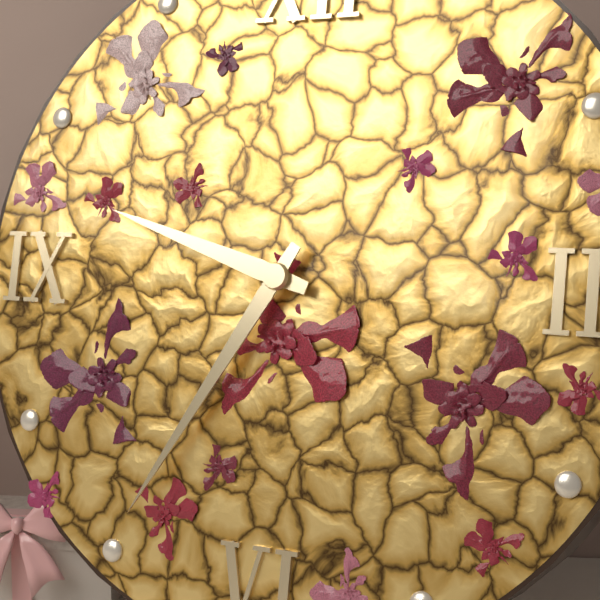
9.35
